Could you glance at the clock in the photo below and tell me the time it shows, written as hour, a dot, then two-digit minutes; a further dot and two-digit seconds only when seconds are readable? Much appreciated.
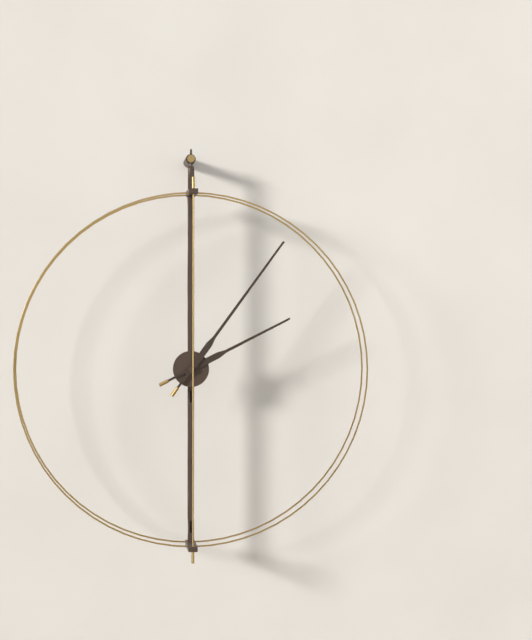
2.06
